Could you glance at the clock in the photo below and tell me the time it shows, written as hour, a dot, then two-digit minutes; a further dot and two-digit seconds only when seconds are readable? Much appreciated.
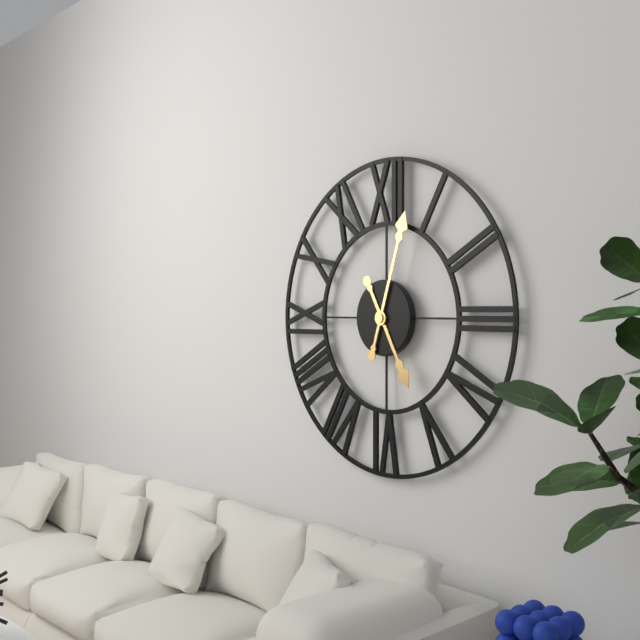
5.03
